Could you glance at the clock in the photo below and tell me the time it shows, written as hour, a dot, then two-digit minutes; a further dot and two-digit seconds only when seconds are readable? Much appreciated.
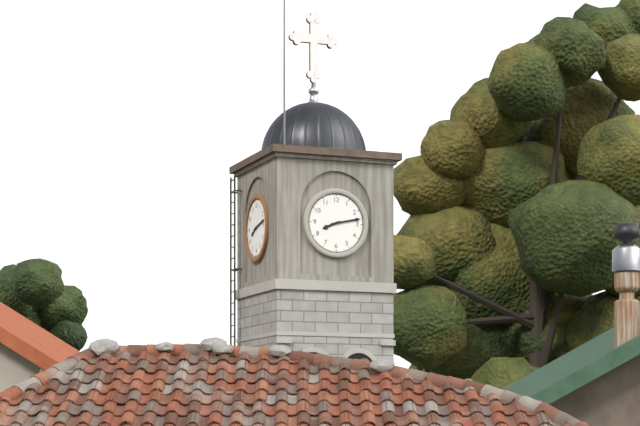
8.13
